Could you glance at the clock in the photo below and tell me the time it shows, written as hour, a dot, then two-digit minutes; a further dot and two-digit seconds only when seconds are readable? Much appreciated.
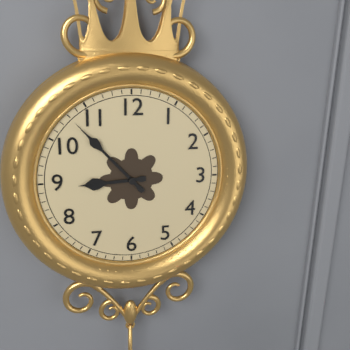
8.53
